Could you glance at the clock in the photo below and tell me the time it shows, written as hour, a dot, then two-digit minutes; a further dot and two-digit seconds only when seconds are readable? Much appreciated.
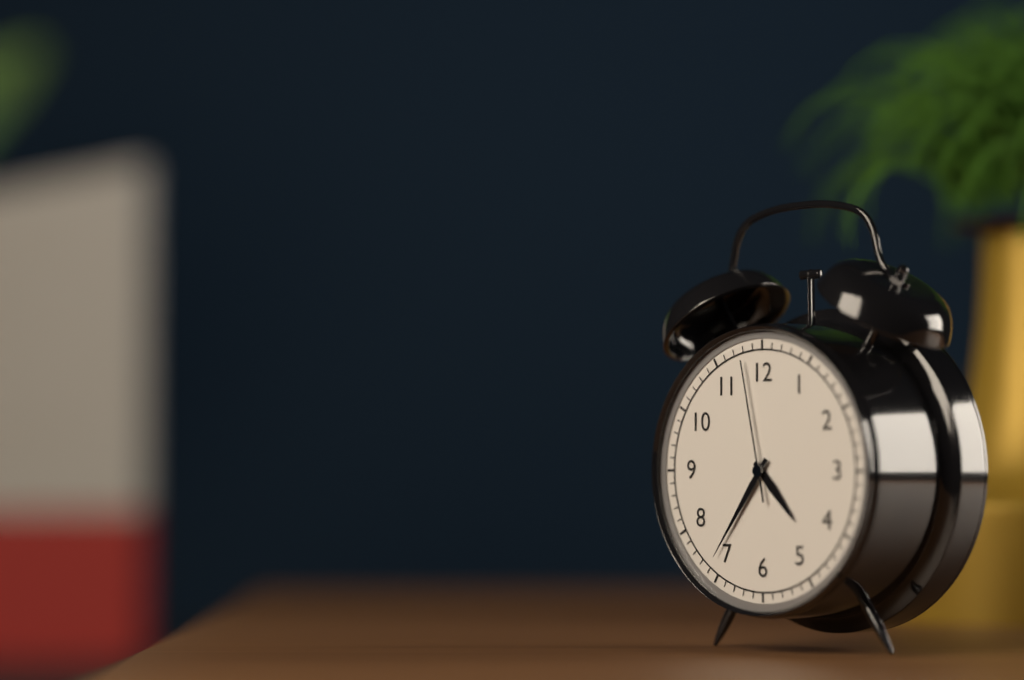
4.36.58
